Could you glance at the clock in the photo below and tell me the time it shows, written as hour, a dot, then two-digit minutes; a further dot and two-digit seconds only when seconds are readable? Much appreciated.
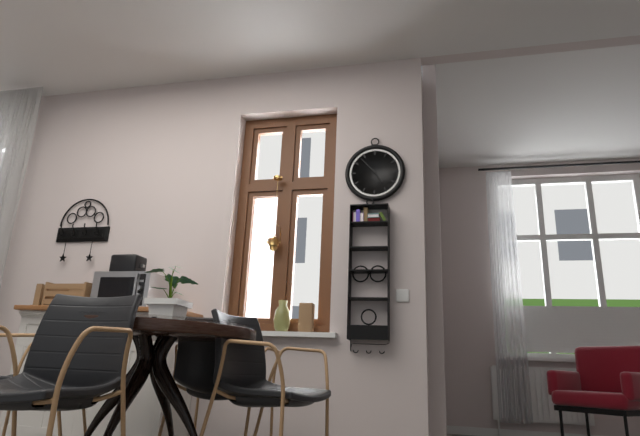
4.53
